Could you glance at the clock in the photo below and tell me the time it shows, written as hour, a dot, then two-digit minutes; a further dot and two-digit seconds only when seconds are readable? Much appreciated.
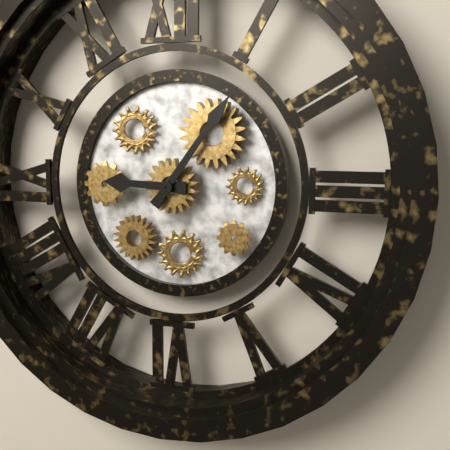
9.06
